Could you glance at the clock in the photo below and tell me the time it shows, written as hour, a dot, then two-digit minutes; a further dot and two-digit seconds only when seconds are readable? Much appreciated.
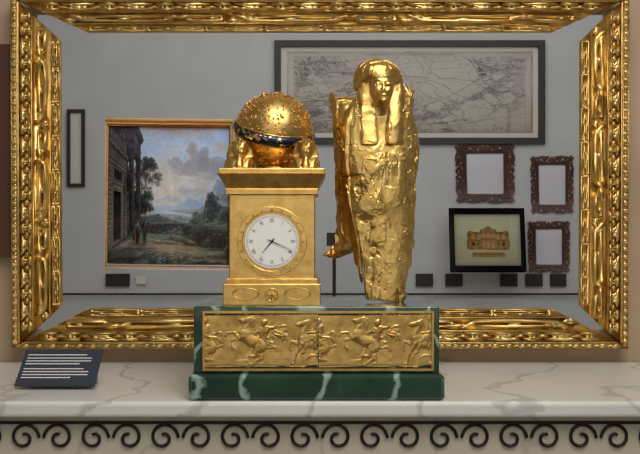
7.19
